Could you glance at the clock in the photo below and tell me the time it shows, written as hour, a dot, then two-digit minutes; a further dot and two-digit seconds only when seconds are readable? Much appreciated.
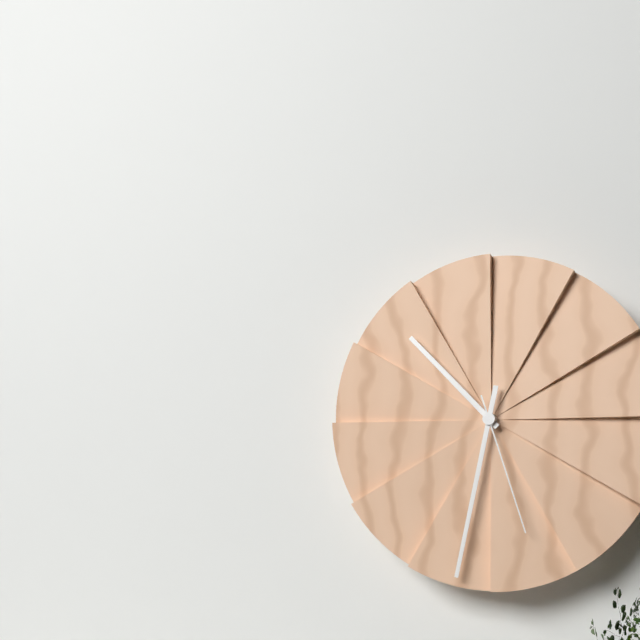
10.32.27
